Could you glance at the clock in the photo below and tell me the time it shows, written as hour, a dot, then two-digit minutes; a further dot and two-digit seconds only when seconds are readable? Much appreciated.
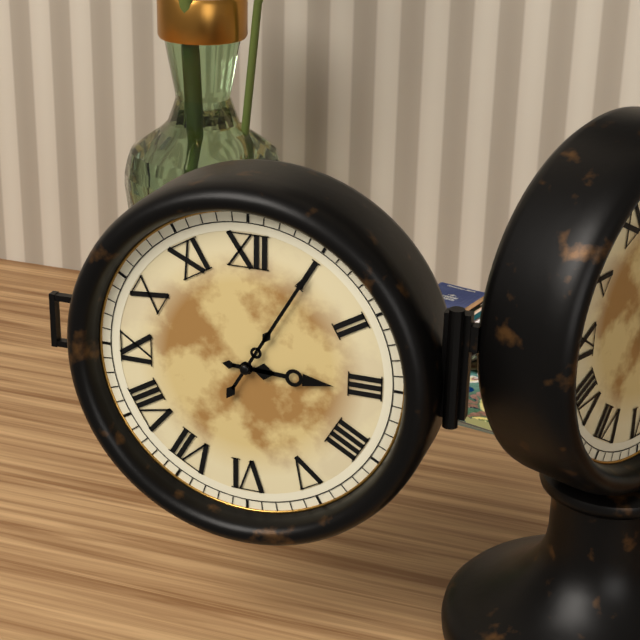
3.05
